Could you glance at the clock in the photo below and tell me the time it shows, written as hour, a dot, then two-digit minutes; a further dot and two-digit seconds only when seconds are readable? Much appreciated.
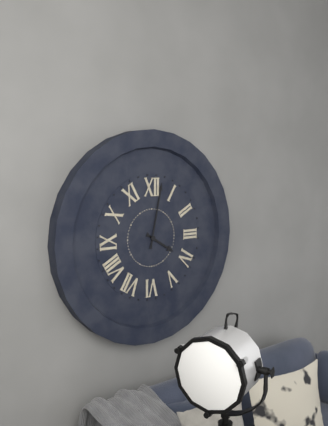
4.02
